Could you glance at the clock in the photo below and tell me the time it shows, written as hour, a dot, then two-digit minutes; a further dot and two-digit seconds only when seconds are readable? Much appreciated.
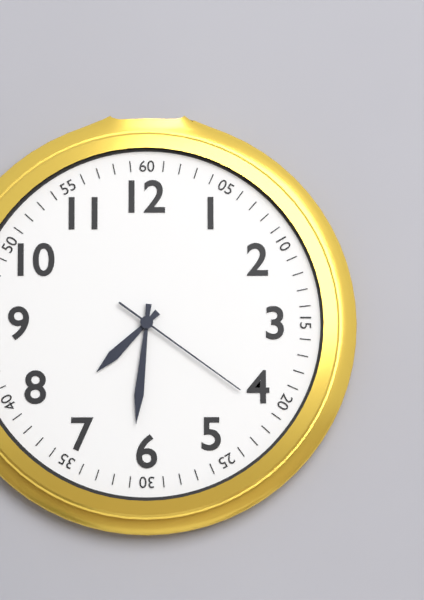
7.31.21
